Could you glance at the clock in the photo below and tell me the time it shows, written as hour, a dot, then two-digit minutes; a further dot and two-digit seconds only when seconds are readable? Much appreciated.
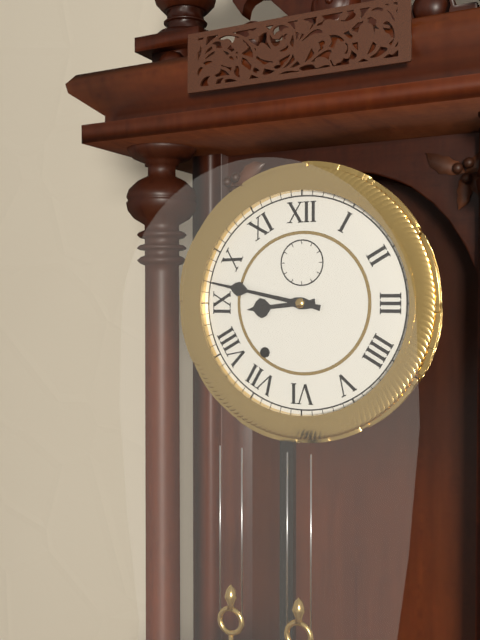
8.47
